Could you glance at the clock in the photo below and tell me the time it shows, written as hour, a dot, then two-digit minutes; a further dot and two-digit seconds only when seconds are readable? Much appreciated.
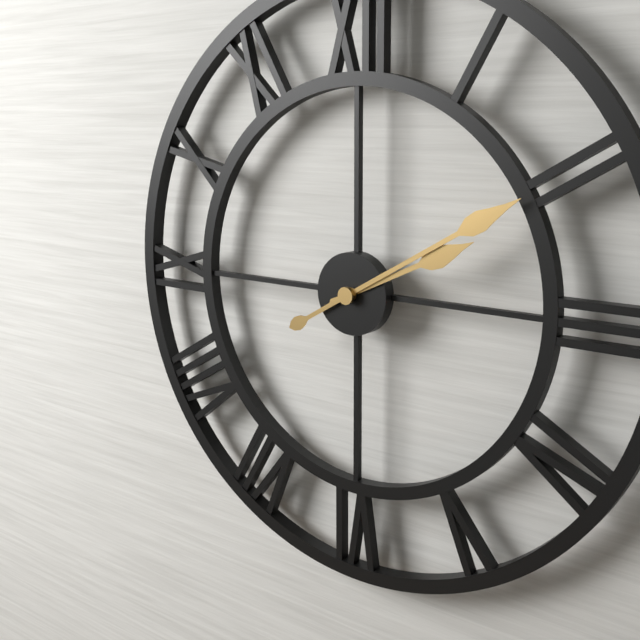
2.10
